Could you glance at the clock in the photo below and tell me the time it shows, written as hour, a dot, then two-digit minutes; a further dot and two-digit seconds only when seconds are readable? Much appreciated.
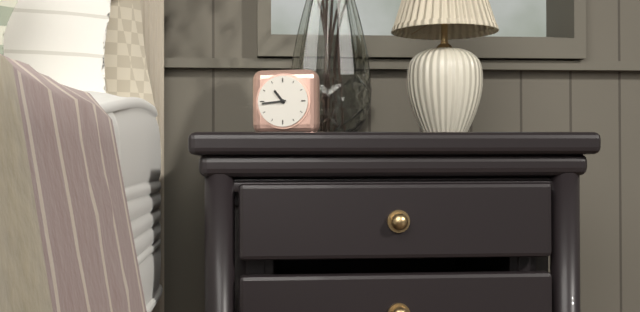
10.44
